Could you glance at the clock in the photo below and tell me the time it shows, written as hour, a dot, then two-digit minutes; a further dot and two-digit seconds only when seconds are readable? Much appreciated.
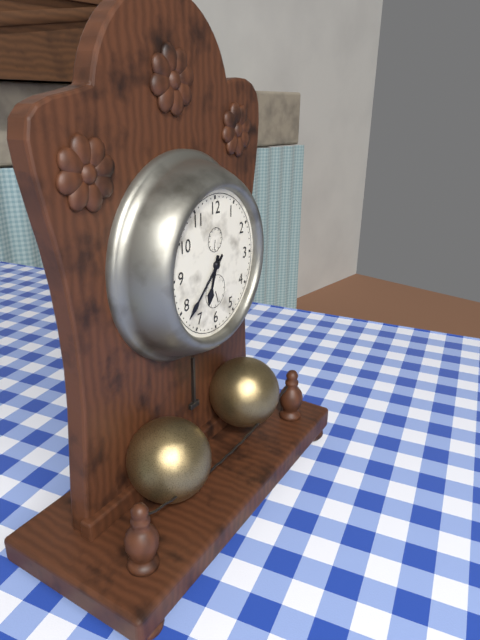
6.38
